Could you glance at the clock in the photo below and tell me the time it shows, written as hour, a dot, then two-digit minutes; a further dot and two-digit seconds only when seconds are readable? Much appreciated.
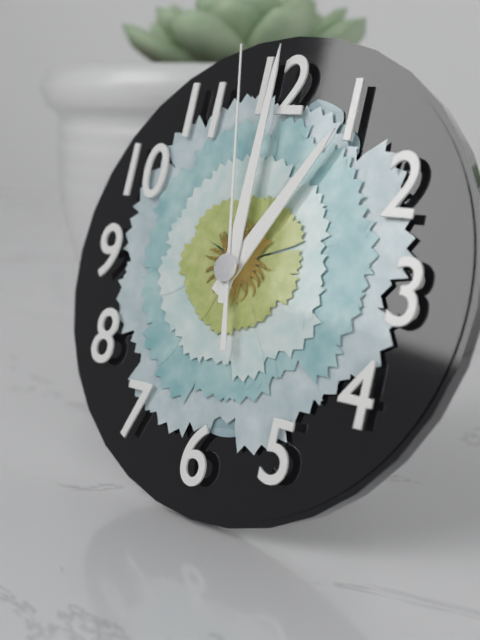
1.00.58
